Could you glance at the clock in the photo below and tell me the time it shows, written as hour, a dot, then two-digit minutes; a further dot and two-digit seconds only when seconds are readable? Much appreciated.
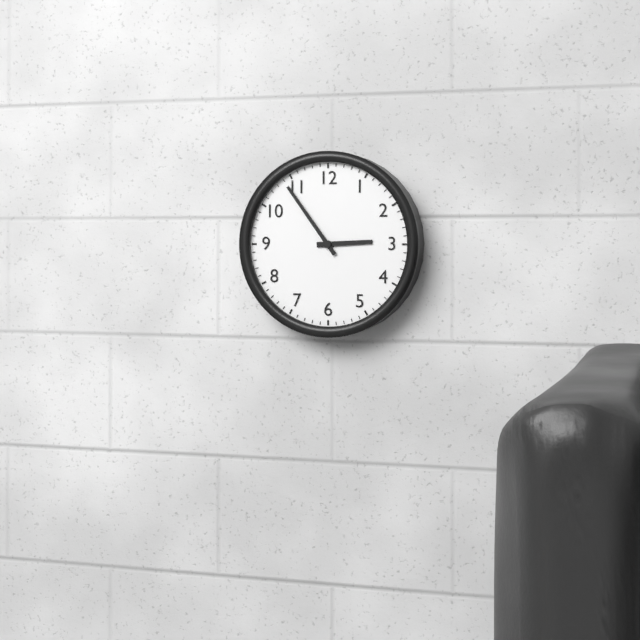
2.54
